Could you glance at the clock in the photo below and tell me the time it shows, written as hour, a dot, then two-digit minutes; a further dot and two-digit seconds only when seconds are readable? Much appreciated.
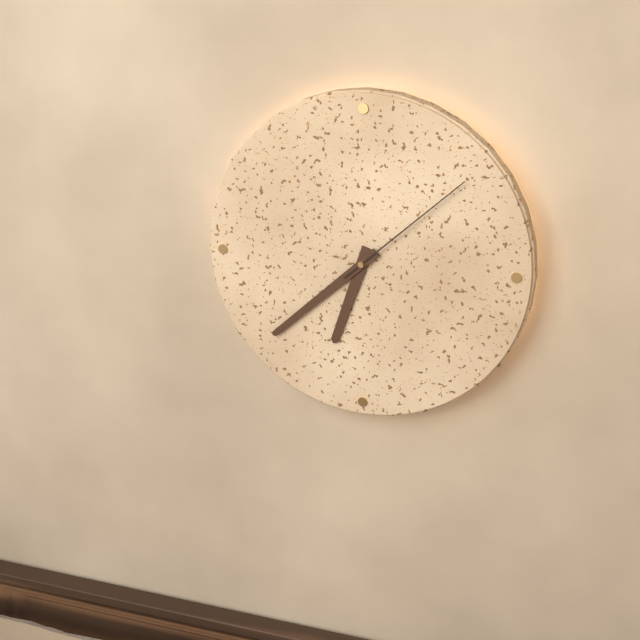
6.38.08
